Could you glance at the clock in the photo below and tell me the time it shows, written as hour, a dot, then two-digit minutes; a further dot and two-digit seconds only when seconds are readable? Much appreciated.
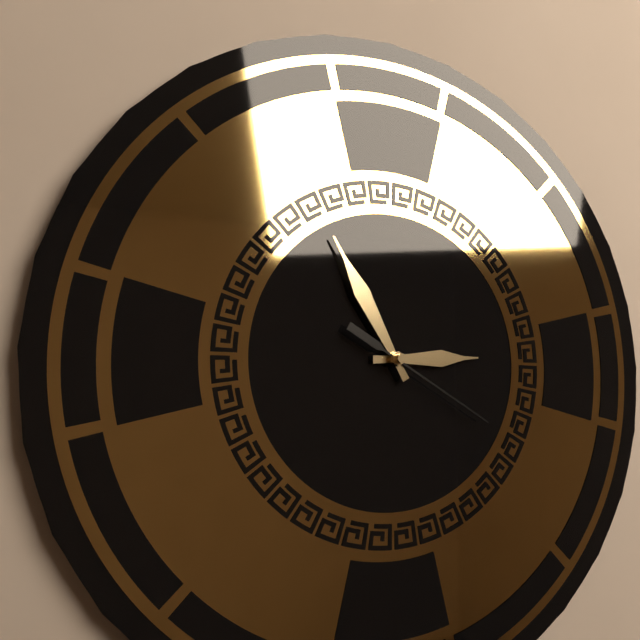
2.55.20
